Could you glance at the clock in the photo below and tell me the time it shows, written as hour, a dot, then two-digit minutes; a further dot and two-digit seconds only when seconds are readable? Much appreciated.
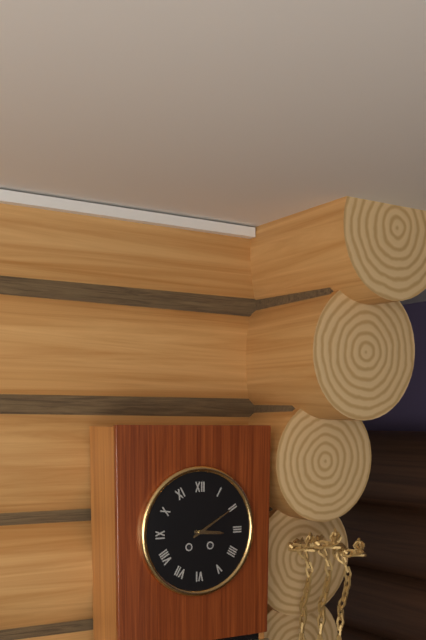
3.10
